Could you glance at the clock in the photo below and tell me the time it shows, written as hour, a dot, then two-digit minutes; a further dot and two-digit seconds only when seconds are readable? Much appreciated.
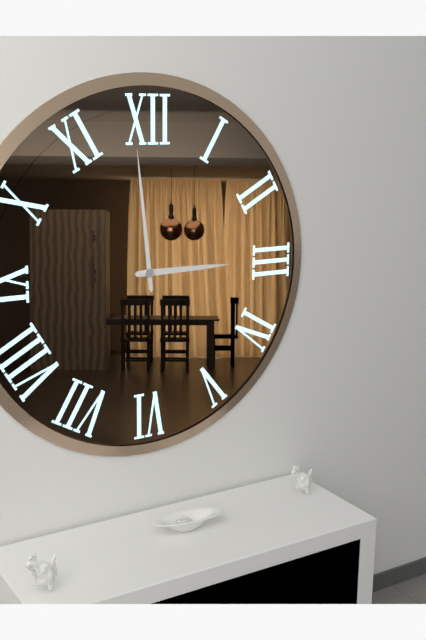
2.59
